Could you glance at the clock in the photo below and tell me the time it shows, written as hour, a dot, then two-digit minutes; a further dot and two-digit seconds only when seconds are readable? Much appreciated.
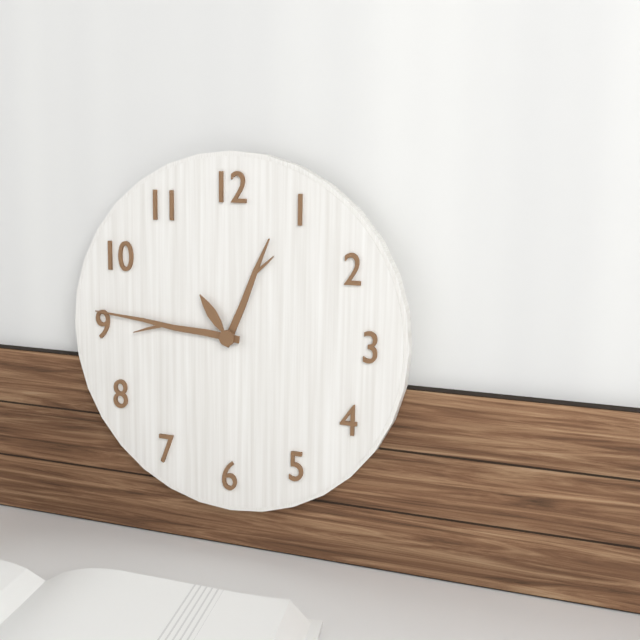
12.46.54
